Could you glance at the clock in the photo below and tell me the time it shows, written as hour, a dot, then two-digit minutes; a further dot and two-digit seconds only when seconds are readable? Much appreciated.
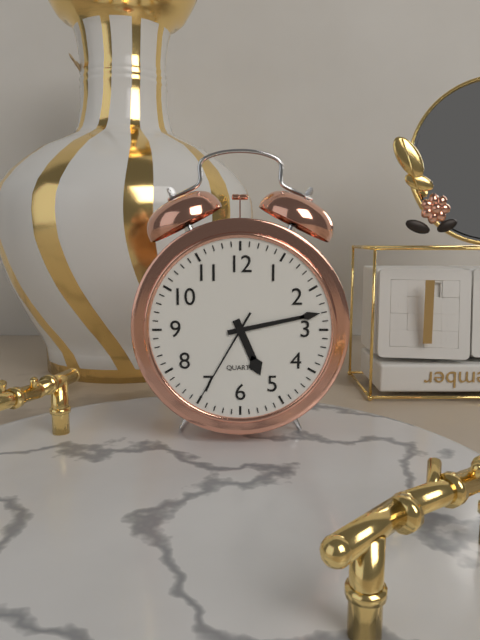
5.13.35
